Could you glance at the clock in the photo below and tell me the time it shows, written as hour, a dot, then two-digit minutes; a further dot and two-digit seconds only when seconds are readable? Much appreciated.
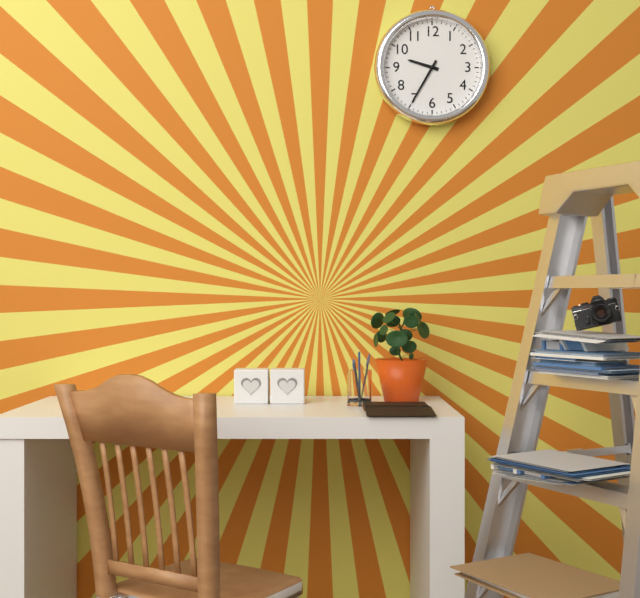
9.35
